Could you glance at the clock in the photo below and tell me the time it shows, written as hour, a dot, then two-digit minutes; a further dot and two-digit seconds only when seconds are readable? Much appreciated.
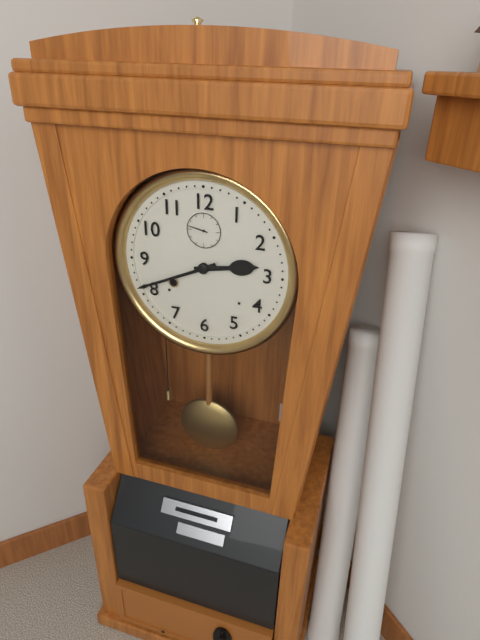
2.41
